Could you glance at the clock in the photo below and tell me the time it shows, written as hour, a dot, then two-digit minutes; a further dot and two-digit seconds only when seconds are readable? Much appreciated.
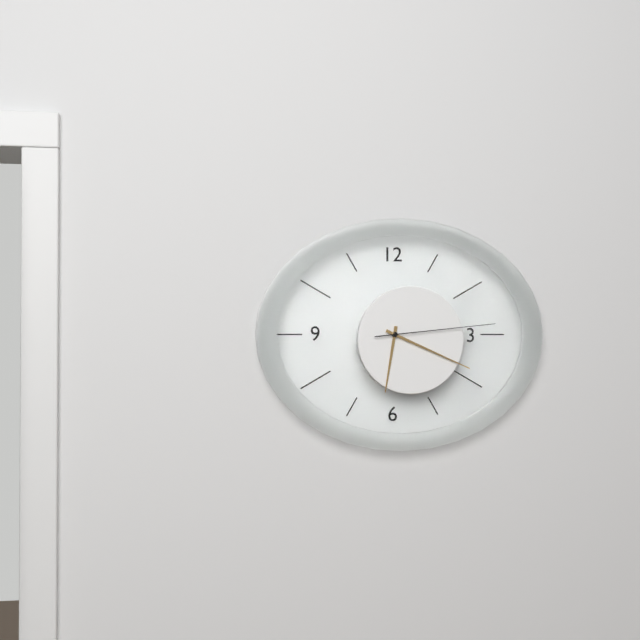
6.19.14
